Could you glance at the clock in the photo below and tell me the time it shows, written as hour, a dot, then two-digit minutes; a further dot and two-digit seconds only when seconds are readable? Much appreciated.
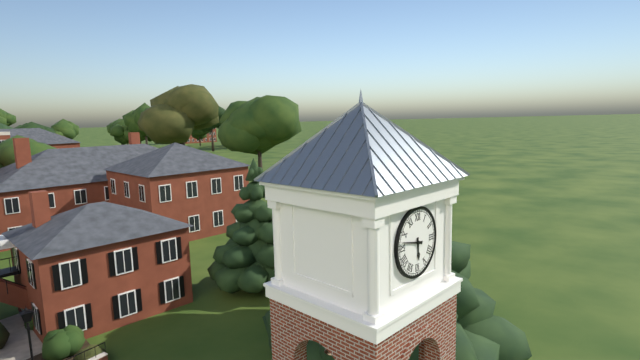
5.47
